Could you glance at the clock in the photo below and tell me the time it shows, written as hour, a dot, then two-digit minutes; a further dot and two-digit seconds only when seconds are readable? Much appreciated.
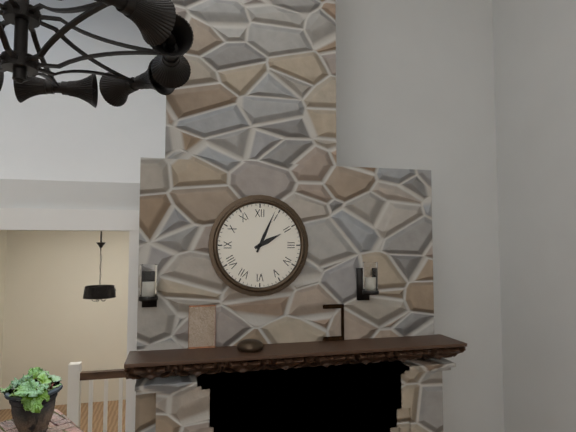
2.04
